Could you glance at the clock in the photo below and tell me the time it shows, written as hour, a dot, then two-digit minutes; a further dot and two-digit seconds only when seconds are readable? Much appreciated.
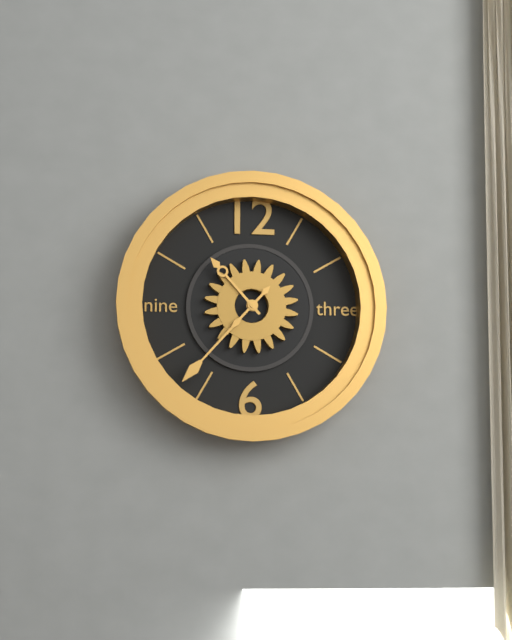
10.37
